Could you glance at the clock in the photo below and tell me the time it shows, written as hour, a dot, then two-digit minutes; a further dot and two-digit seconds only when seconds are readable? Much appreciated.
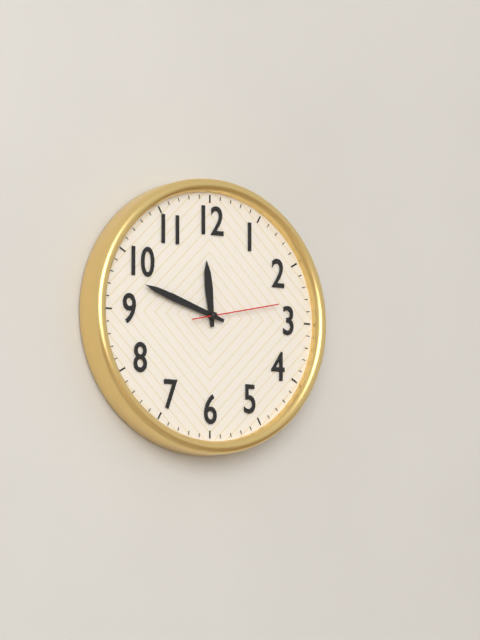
11.48.13
